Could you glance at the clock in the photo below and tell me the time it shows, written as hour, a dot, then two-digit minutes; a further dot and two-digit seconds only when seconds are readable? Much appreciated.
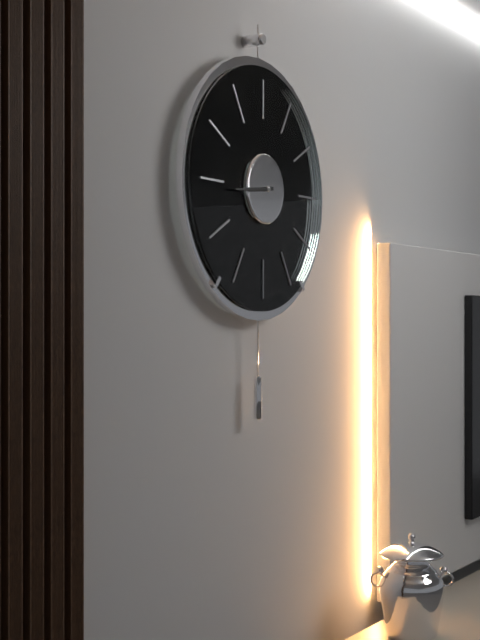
8.44
